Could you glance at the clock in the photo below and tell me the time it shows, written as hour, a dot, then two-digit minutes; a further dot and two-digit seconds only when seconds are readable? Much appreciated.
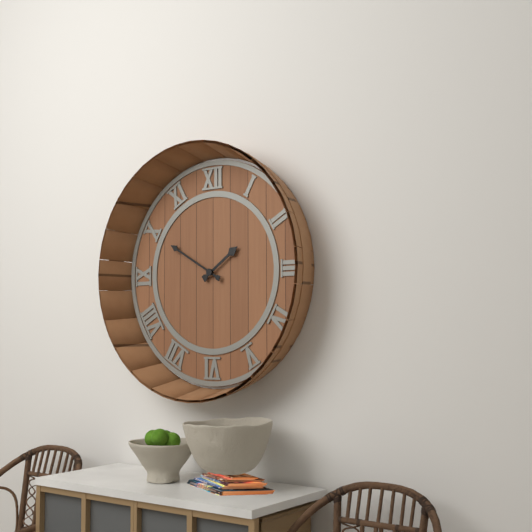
1.50
